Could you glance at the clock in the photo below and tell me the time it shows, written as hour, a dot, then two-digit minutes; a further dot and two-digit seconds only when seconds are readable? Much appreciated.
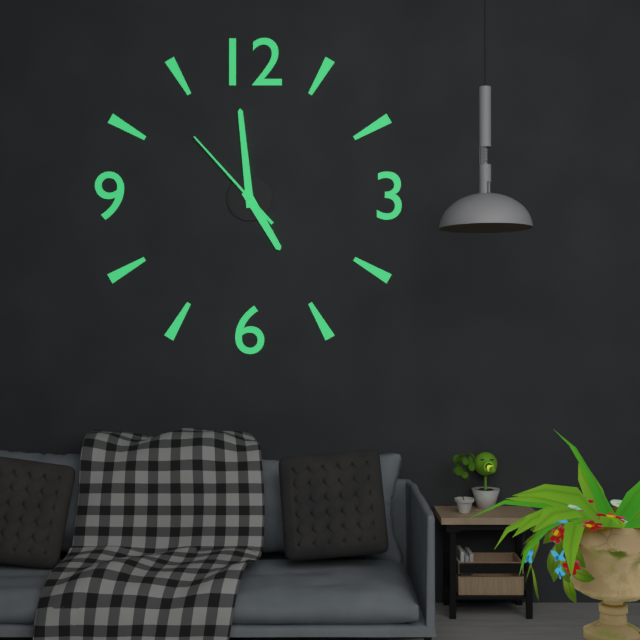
4.59.53
